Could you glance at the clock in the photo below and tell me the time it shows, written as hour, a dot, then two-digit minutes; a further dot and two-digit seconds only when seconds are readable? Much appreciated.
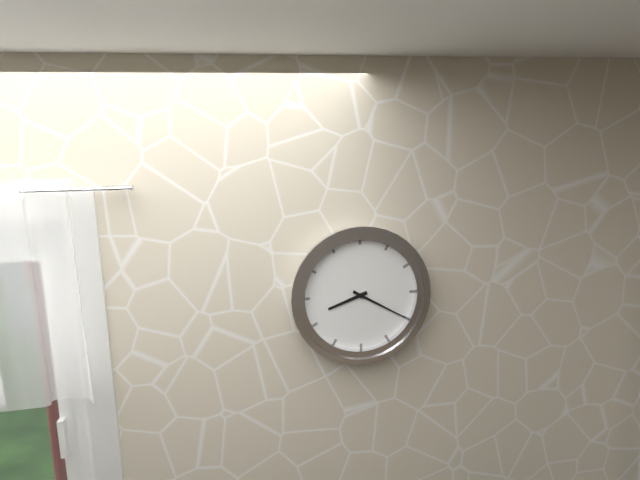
8.20
